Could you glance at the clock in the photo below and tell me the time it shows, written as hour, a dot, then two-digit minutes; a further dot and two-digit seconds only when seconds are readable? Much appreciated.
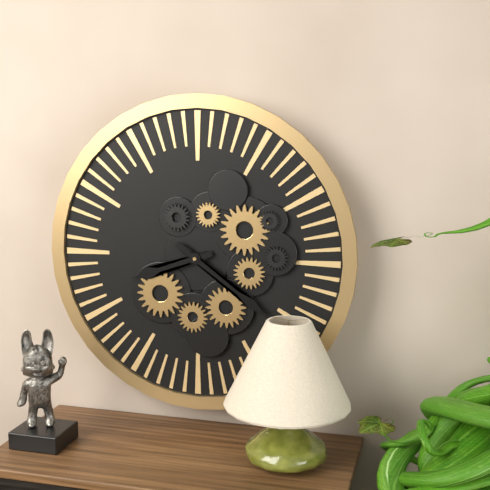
8.21
